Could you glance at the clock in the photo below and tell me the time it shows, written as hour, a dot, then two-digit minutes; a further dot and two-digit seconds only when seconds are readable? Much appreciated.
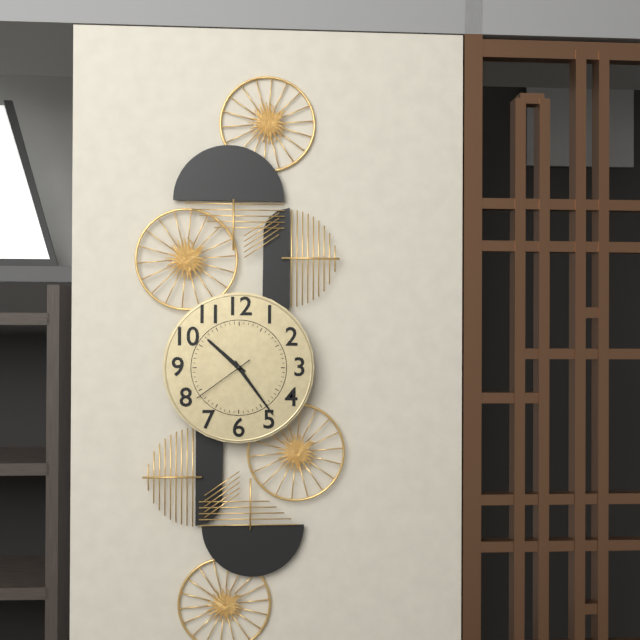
10.24.39
